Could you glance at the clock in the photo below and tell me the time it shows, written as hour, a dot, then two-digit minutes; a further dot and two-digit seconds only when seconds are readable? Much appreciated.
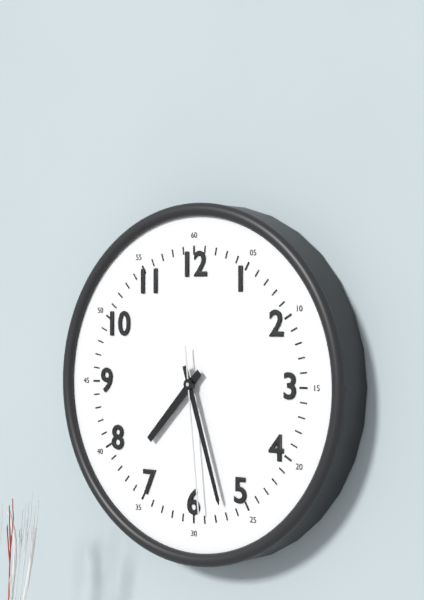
7.27.29
